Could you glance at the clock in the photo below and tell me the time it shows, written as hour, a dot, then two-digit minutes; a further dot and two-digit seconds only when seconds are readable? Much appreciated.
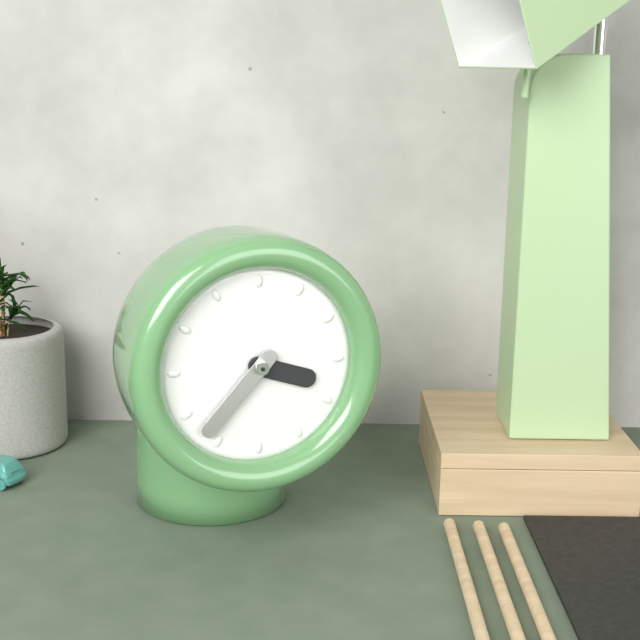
3.37
